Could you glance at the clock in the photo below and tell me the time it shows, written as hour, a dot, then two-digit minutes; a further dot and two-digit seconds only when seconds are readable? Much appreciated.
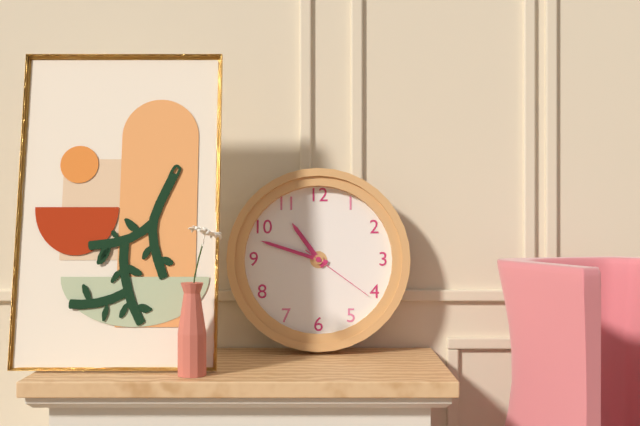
10.48.21
